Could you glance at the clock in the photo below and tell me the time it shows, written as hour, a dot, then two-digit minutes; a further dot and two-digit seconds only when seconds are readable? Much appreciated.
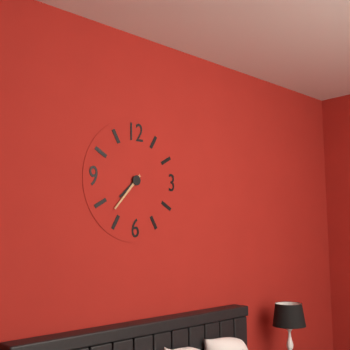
7.37
